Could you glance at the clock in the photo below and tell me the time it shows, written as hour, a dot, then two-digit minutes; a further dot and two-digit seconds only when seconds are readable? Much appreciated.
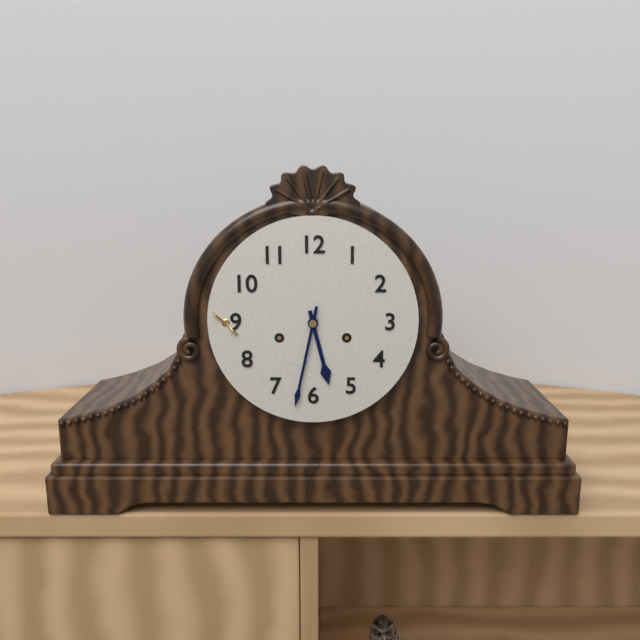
5.32
